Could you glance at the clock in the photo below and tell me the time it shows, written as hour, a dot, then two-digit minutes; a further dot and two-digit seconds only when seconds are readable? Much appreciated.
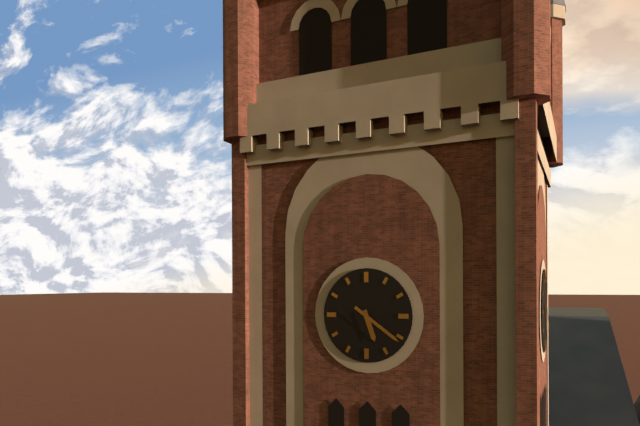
5.21
